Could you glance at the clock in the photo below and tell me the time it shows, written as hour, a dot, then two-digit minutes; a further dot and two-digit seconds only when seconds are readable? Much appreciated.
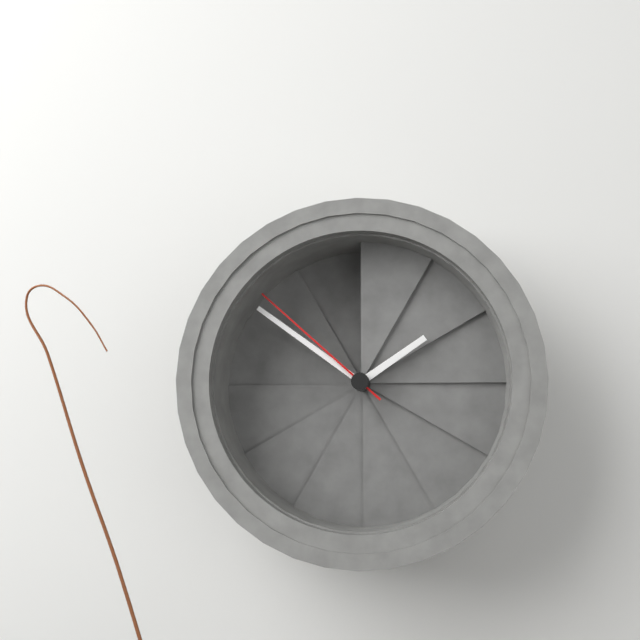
1.51.52
